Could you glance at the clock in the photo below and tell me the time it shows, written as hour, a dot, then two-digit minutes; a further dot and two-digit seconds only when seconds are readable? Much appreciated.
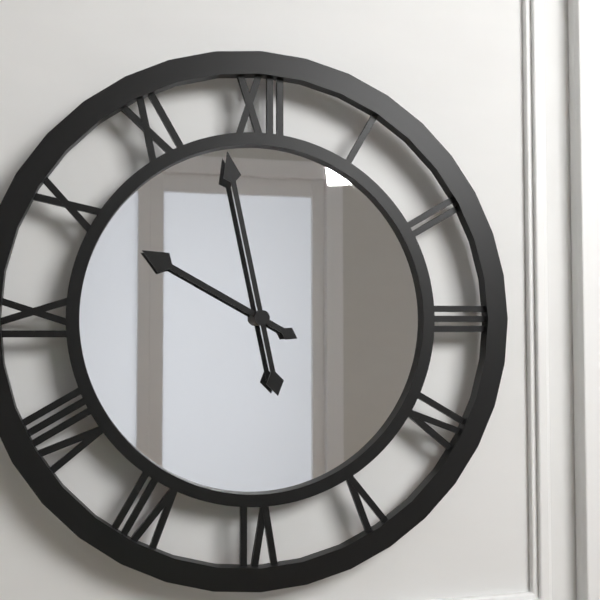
9.58
